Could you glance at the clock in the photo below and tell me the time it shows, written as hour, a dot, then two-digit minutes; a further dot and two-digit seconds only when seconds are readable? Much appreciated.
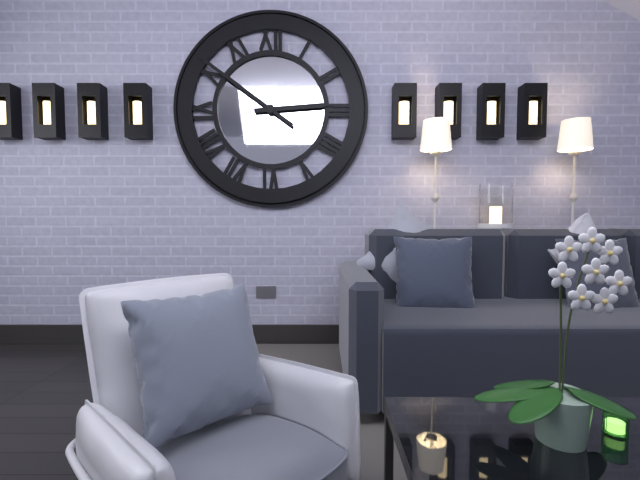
2.51
